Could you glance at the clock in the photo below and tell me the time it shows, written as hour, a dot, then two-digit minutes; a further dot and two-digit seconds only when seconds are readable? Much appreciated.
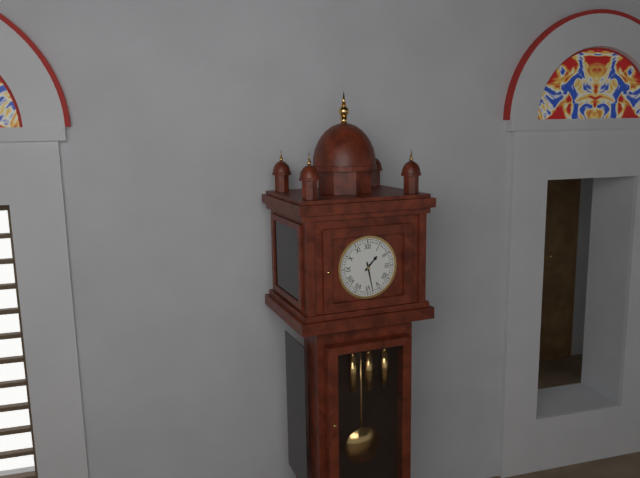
1.28
